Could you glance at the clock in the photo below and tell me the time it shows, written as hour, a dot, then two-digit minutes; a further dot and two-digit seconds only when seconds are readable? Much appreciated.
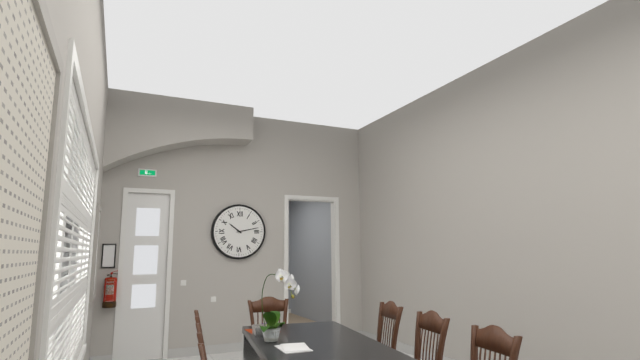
10.13
